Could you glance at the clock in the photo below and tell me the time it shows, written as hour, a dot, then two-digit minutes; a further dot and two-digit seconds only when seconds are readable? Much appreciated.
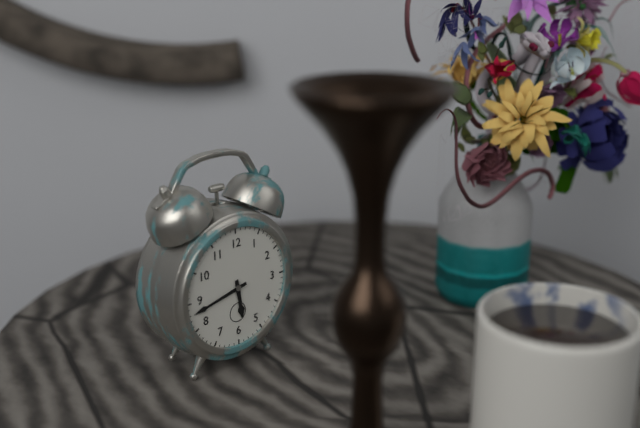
5.43
